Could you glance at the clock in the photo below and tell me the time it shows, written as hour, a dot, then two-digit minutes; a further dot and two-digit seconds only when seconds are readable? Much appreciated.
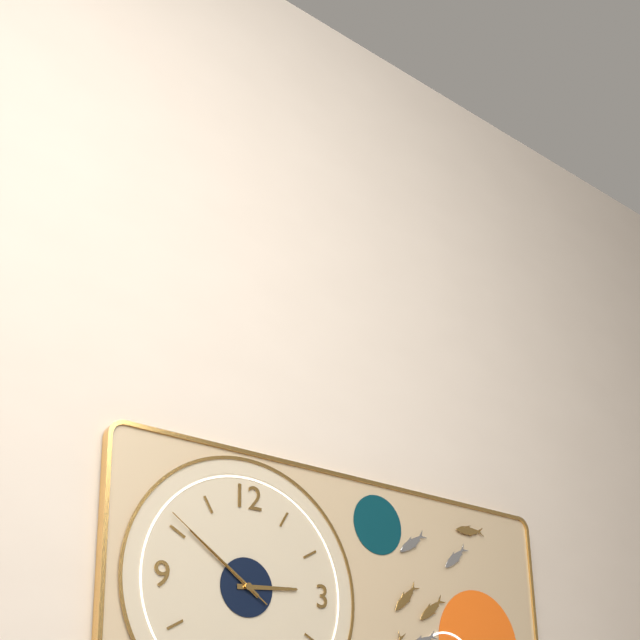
2.51.51
